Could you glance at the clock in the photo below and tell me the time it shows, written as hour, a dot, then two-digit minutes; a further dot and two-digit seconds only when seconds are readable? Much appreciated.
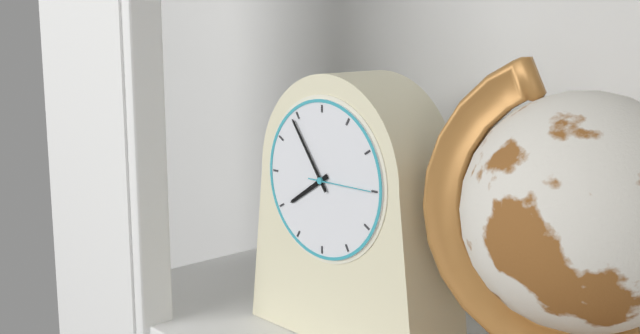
7.54.15
